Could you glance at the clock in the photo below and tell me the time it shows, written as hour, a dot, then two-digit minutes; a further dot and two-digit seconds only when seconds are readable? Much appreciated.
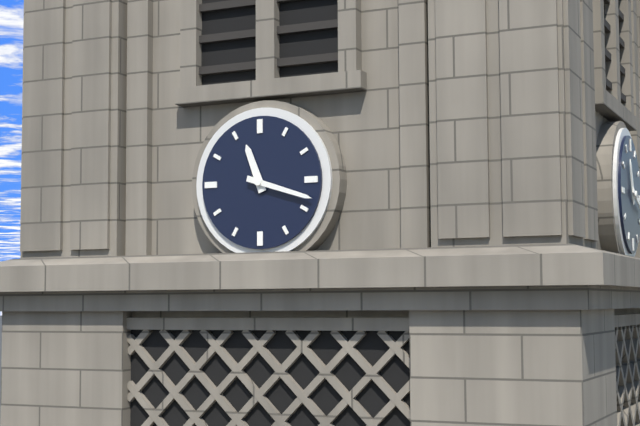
11.18
